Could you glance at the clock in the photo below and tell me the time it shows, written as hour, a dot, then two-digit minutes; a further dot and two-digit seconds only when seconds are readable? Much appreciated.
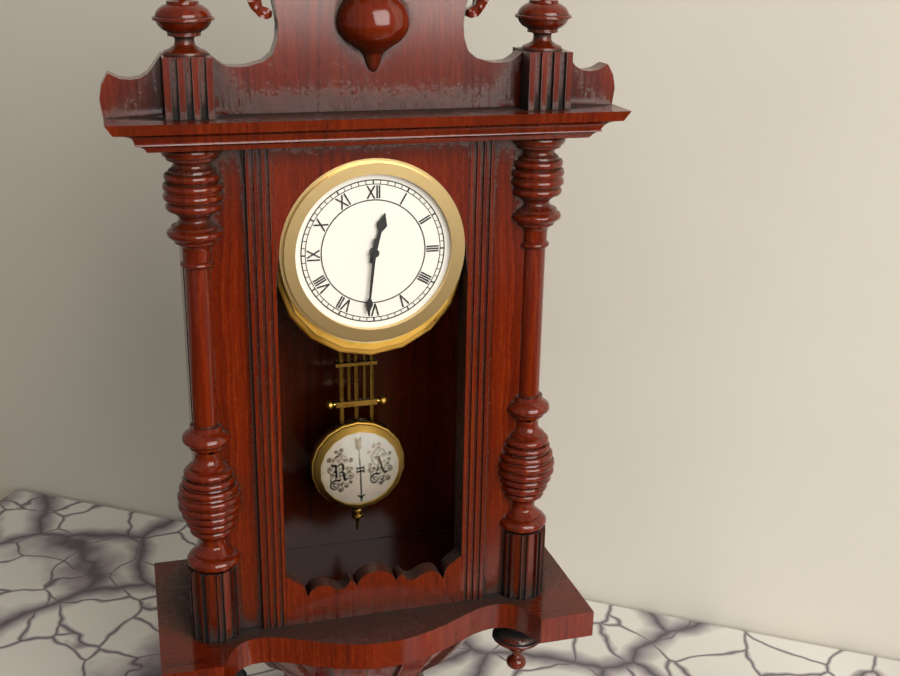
12.31
